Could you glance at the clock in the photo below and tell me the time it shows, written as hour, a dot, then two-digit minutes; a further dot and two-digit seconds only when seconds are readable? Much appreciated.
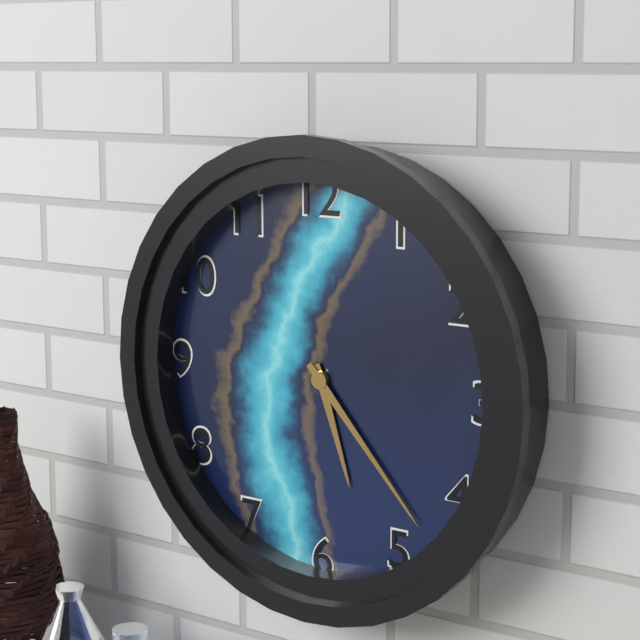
5.23
